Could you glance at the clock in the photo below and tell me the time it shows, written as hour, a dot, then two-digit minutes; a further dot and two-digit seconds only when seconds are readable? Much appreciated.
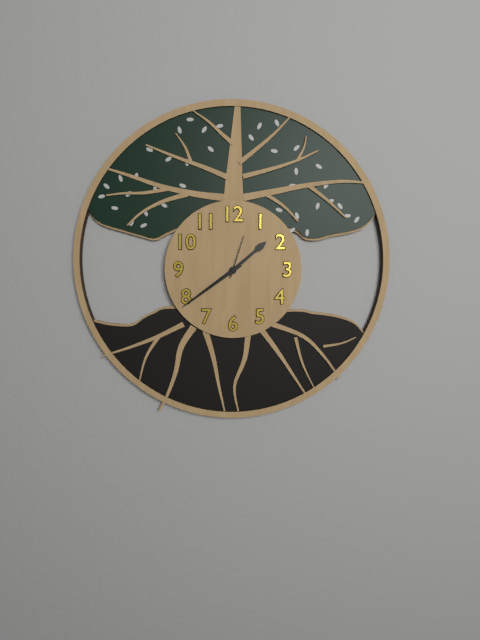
1.39
